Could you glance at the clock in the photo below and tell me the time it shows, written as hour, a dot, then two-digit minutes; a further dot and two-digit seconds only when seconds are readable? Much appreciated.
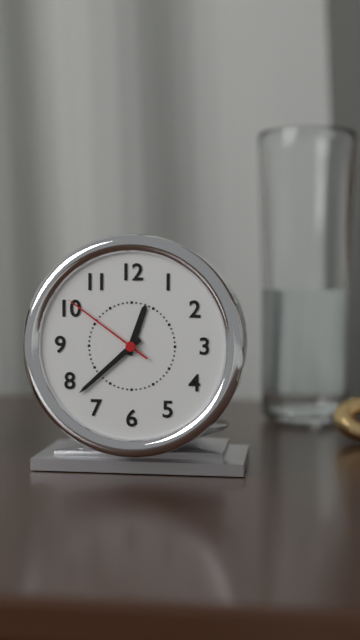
12.38.51
